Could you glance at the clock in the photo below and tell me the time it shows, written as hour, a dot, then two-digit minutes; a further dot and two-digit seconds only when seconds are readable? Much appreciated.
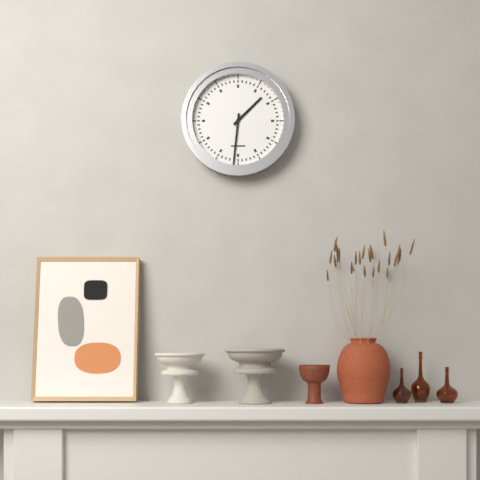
1.31
